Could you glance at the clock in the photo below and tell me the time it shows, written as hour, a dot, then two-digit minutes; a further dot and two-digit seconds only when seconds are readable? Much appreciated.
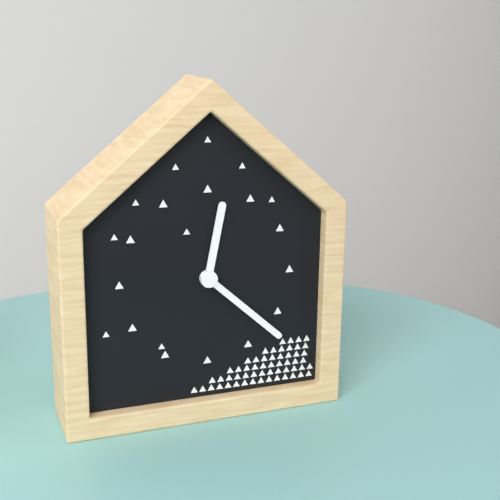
12.22
